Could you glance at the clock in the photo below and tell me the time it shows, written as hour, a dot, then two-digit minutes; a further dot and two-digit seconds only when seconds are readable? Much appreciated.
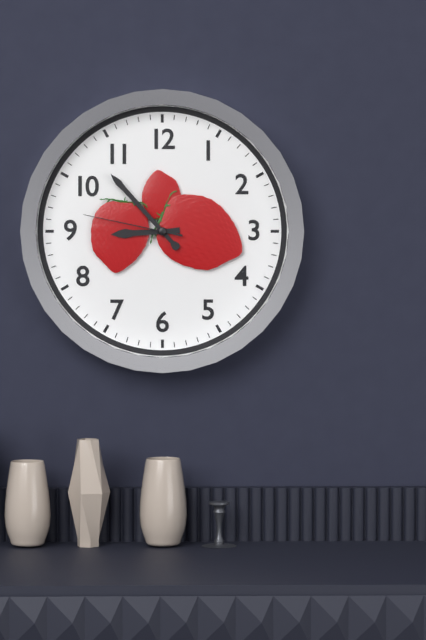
8.53.47
